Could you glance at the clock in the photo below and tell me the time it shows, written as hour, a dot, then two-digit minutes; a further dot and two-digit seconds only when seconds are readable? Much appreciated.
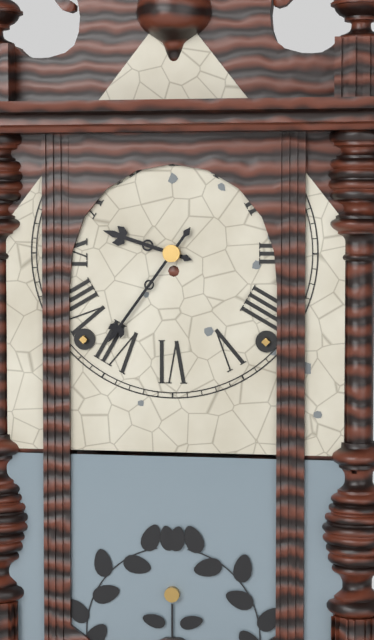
9.36
